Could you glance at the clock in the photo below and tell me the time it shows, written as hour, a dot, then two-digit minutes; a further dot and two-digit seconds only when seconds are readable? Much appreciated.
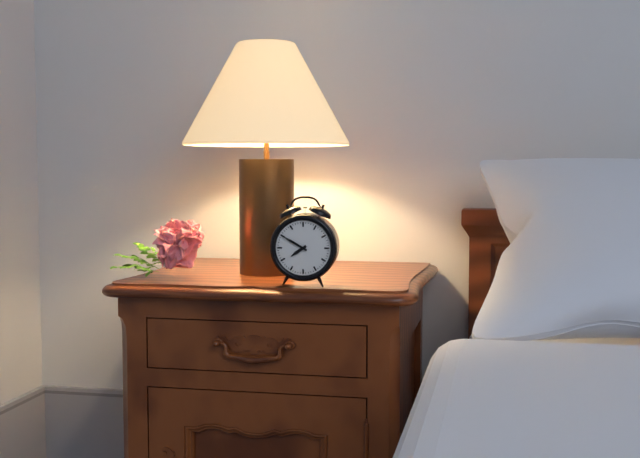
7.50
